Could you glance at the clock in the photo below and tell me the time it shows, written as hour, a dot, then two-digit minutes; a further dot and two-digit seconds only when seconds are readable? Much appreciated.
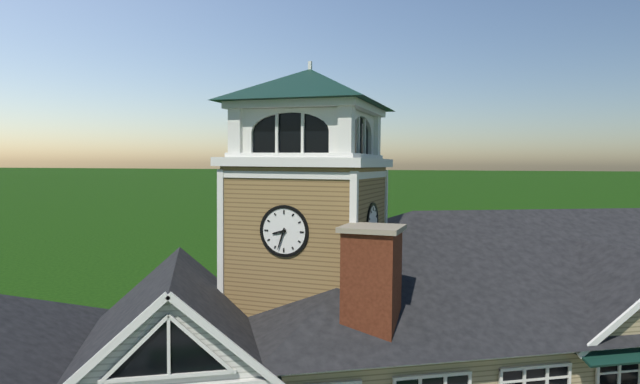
8.33
